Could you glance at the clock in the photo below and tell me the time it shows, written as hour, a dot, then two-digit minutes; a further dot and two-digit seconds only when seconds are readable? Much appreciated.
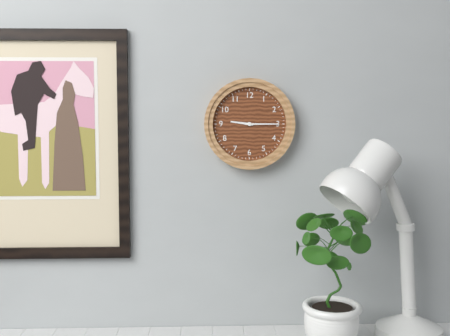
9.15
